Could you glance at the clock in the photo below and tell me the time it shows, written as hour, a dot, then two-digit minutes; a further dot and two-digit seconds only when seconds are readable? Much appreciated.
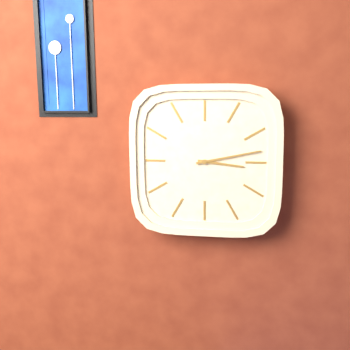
3.13
